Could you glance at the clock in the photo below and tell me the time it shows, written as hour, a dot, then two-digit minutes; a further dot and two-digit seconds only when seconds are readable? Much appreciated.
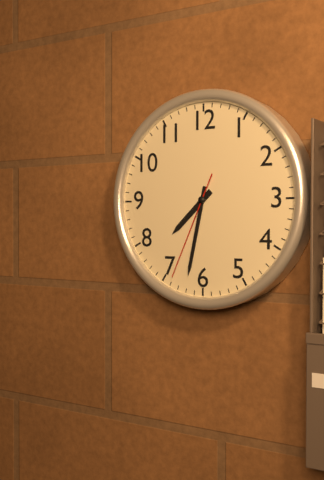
7.32.34
